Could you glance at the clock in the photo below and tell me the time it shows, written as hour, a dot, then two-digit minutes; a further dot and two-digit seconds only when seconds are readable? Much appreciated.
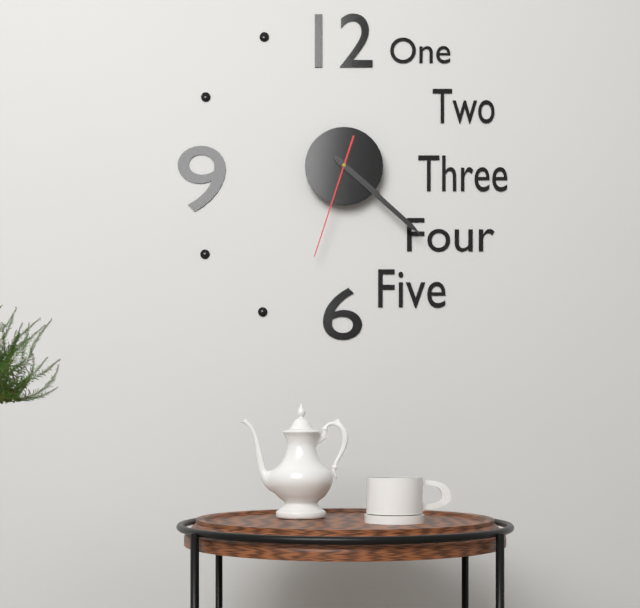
4.22.33
